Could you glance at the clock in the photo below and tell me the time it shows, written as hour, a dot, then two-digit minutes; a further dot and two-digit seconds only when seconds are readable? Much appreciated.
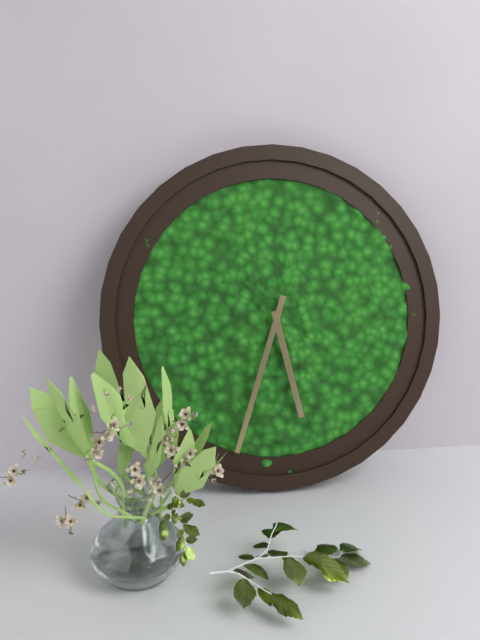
5.33
